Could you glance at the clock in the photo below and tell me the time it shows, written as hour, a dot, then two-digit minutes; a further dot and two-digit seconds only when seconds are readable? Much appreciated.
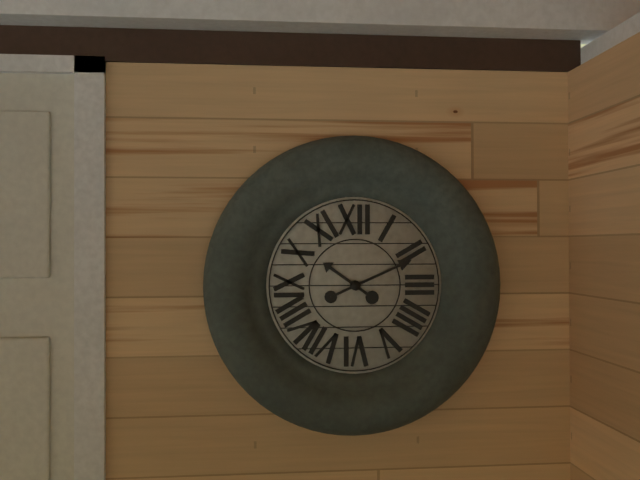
10.11
